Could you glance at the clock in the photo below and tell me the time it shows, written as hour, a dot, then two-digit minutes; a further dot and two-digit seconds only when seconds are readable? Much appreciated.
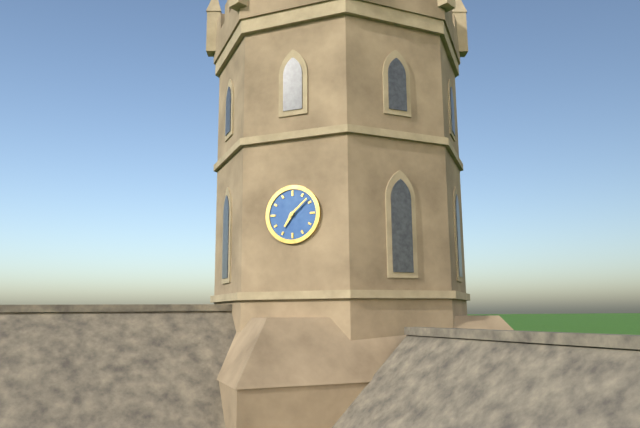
7.08
